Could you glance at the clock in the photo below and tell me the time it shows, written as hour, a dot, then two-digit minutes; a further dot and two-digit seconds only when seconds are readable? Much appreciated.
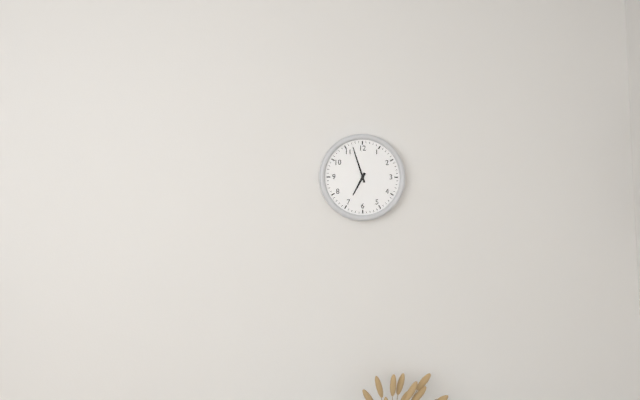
6.57
